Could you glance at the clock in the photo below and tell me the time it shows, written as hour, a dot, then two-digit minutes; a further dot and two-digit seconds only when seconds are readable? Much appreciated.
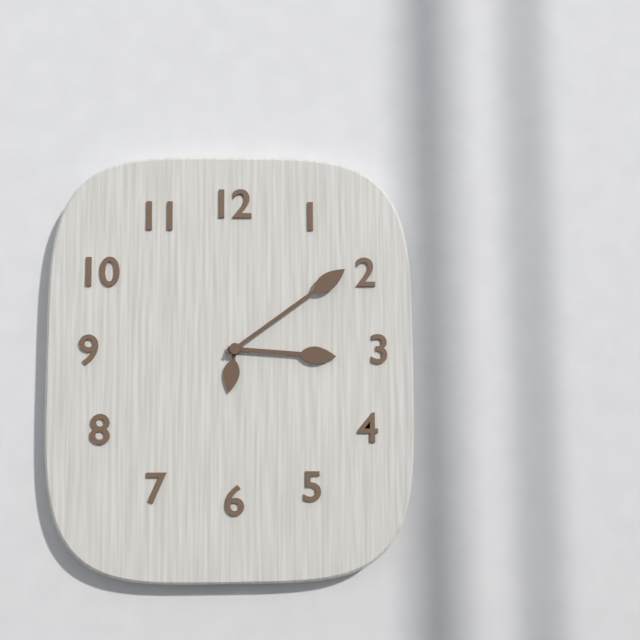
3.09
